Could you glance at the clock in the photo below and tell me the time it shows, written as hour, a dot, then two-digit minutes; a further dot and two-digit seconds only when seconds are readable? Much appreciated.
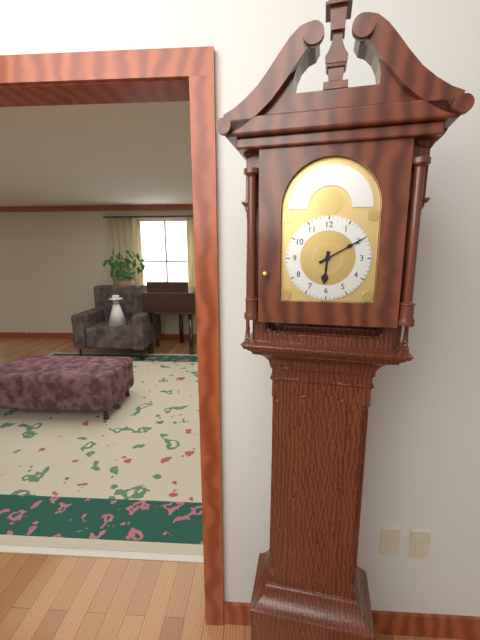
6.10
